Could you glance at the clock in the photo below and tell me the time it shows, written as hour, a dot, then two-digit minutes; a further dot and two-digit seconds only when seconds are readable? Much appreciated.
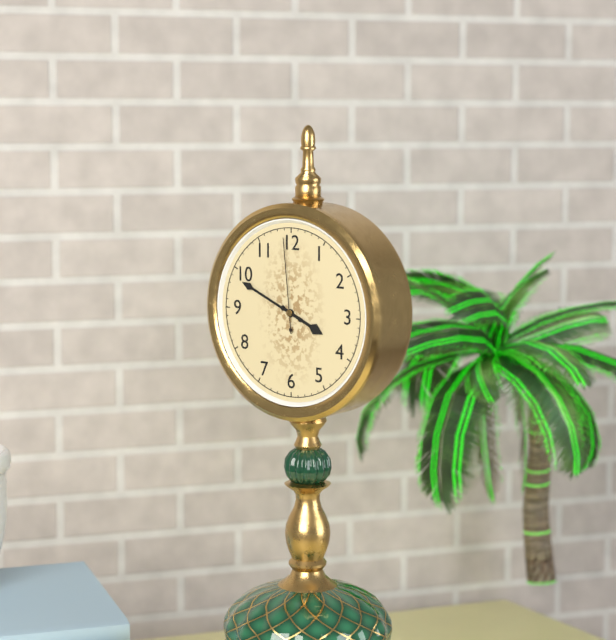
3.49.59
